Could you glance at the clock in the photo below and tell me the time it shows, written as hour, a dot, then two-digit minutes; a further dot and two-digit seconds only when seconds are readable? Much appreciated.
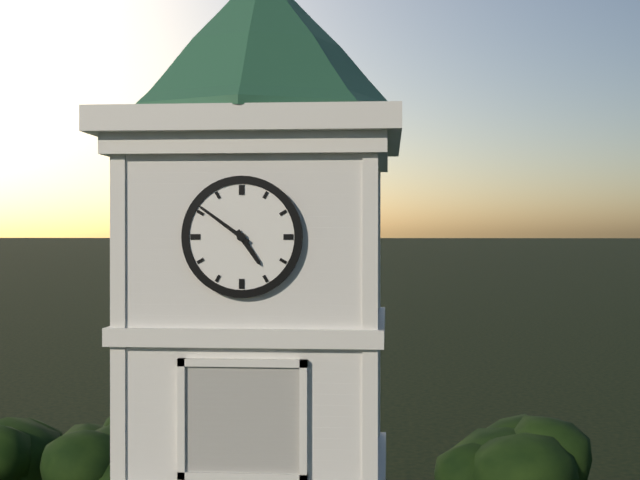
4.51
